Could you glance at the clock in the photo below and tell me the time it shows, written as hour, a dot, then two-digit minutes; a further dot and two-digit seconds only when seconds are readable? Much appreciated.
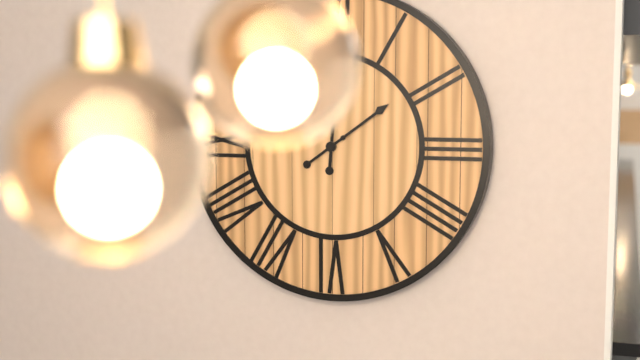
12.09
